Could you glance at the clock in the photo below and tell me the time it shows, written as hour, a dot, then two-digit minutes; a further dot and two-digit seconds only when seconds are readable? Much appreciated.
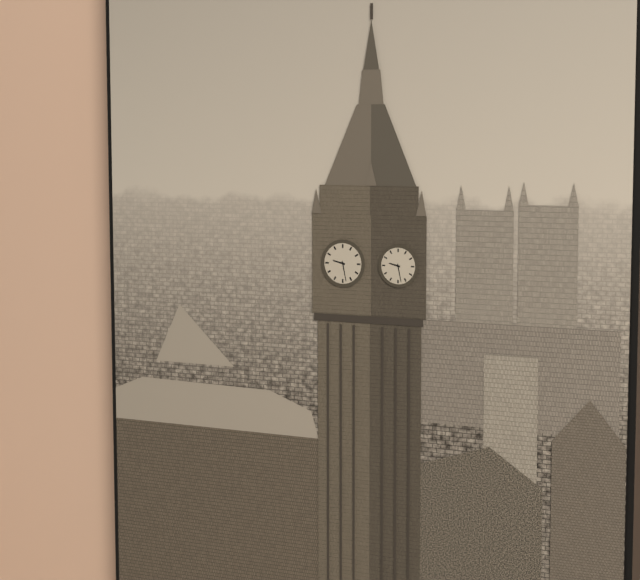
9.28
